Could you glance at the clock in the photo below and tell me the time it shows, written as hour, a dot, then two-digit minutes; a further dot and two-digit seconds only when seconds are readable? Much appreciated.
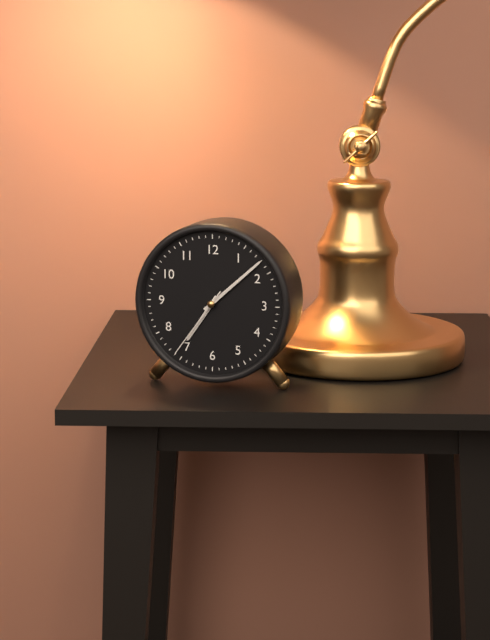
7.08.36
